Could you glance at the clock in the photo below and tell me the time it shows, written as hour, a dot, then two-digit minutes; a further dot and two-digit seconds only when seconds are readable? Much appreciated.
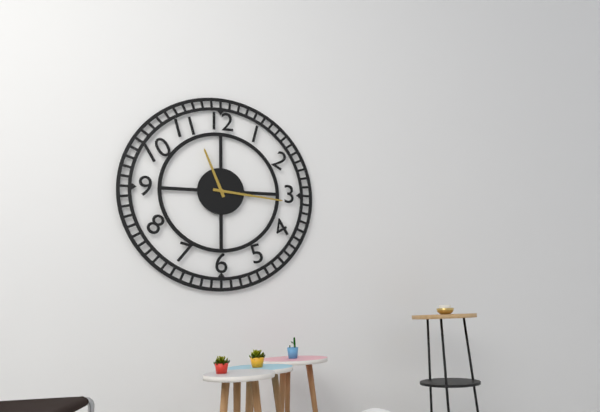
11.16
